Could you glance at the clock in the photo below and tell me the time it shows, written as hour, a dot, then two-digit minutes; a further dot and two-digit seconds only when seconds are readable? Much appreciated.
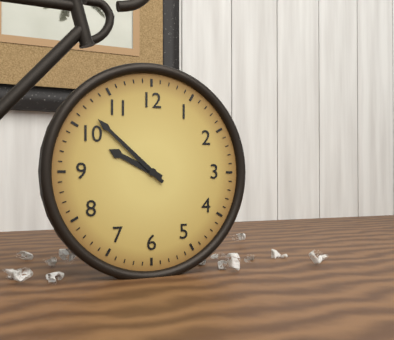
9.52
